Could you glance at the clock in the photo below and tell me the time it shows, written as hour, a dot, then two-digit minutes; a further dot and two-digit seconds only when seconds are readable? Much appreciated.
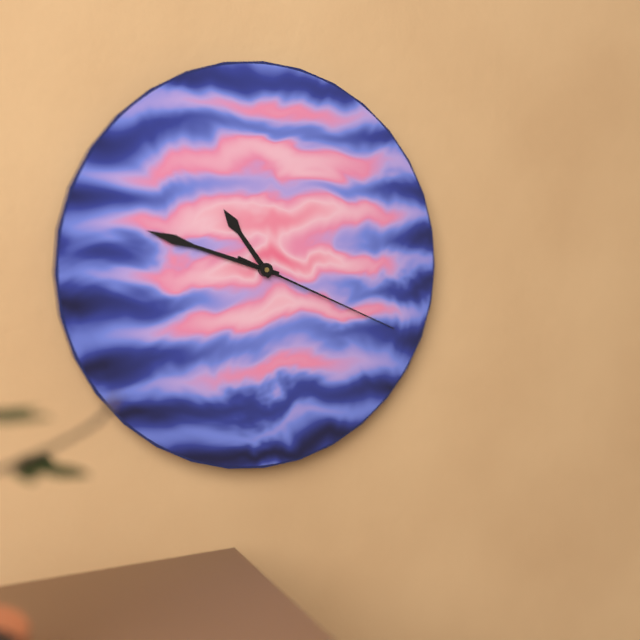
10.48.19
